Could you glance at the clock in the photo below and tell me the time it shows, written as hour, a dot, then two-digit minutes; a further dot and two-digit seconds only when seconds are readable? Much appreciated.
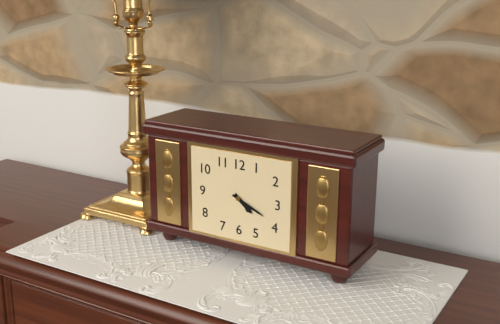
4.19
